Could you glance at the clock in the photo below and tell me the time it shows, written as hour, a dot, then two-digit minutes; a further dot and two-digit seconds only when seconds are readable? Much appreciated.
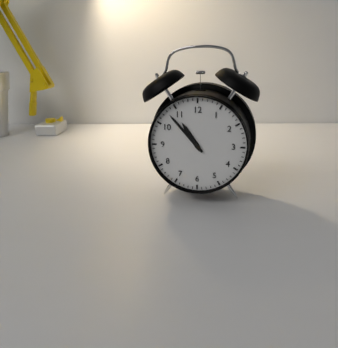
10.53
